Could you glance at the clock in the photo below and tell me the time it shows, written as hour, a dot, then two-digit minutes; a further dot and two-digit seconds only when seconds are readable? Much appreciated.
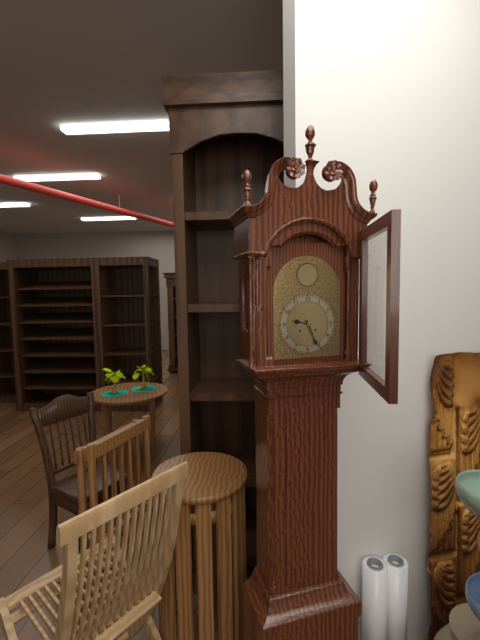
9.26
